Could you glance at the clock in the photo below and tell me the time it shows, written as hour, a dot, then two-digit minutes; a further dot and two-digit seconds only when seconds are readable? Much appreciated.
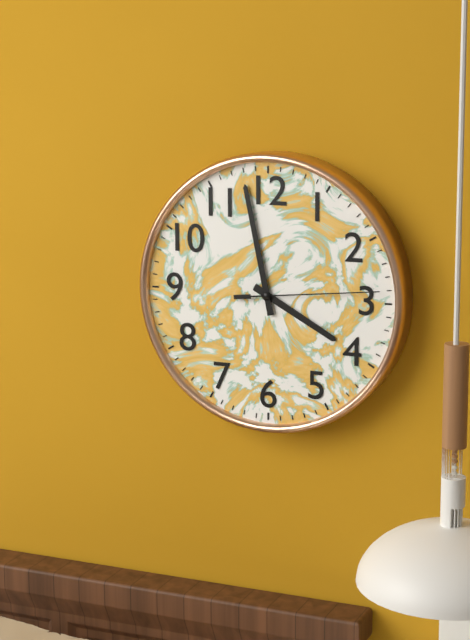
3.58.14
